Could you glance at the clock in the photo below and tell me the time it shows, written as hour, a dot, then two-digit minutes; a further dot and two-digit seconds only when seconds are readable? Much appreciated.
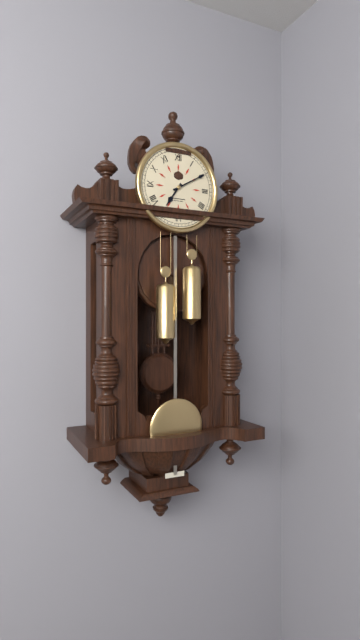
7.10
